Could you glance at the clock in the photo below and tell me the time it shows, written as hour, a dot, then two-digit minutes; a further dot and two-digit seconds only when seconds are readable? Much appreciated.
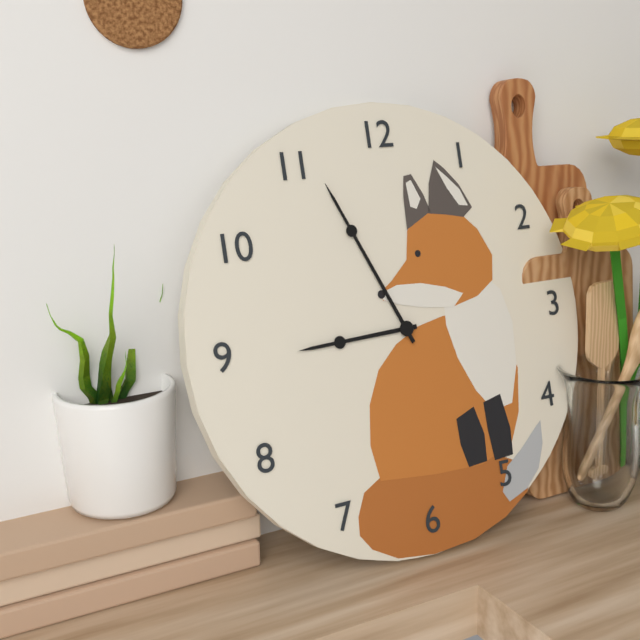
8.56
